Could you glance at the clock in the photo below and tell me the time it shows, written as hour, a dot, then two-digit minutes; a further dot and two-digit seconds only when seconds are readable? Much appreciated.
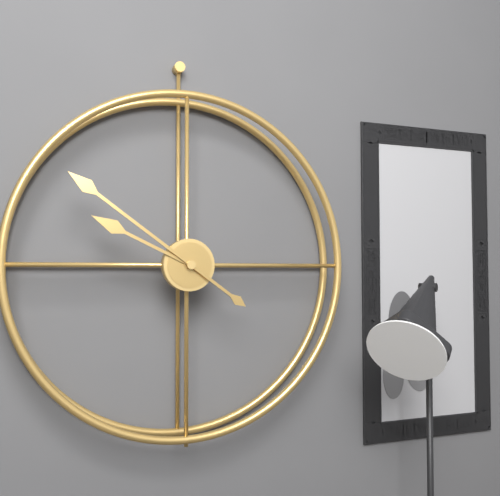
9.51
